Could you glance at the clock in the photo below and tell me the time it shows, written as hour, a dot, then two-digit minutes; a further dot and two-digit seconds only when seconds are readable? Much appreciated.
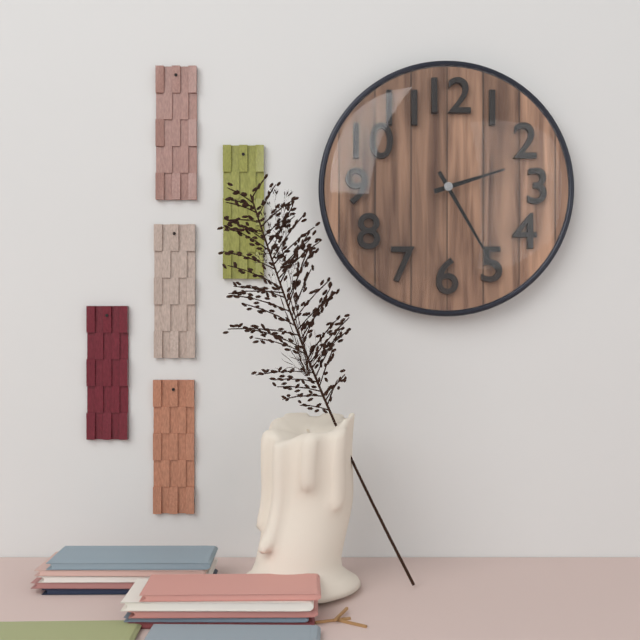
2.25
